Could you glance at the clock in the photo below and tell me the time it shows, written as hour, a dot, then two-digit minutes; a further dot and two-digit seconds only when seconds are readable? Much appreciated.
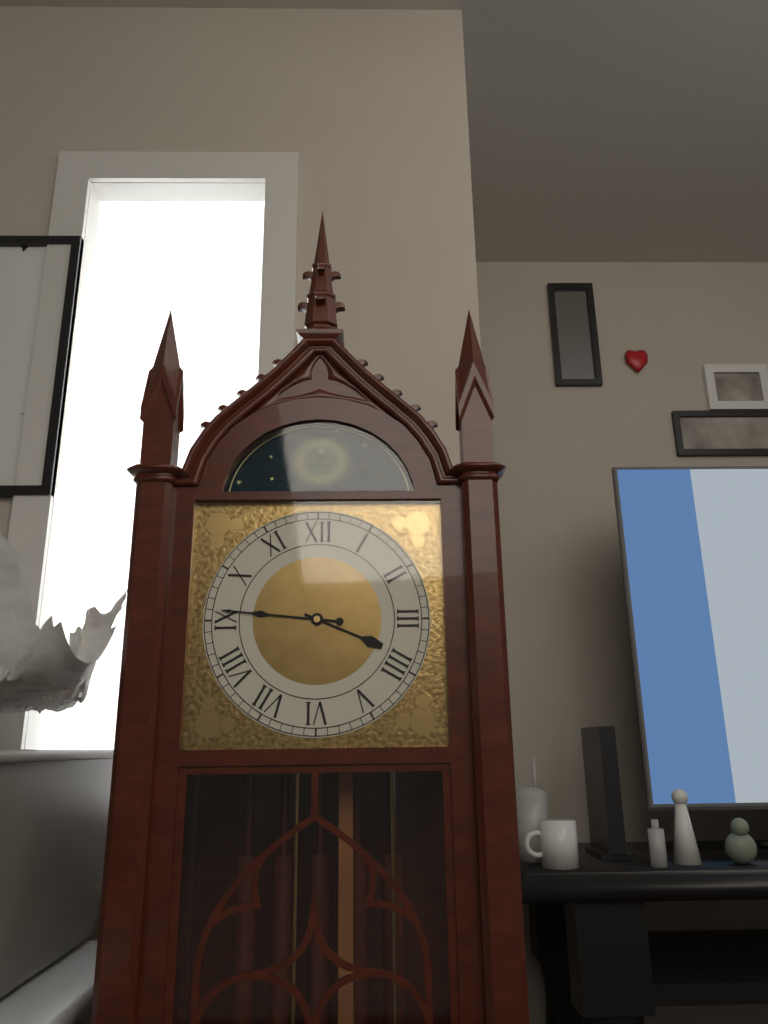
3.46
